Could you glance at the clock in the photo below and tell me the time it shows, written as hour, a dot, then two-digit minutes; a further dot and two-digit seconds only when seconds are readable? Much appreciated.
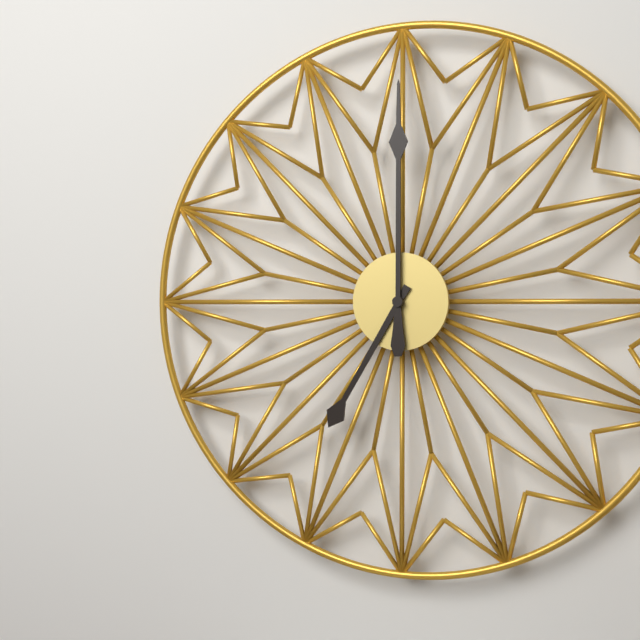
7.00
